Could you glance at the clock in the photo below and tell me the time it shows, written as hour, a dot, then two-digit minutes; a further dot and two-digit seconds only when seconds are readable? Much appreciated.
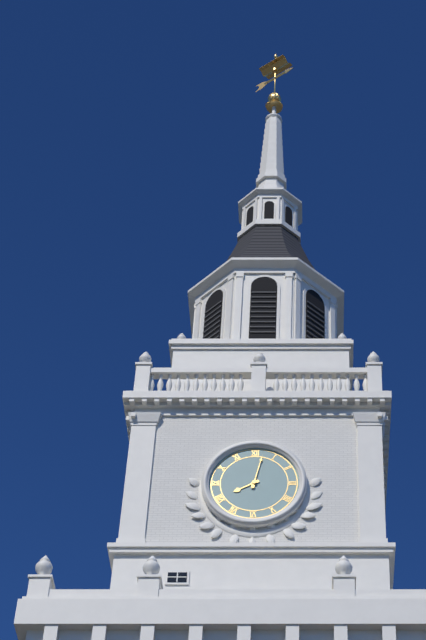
8.02
